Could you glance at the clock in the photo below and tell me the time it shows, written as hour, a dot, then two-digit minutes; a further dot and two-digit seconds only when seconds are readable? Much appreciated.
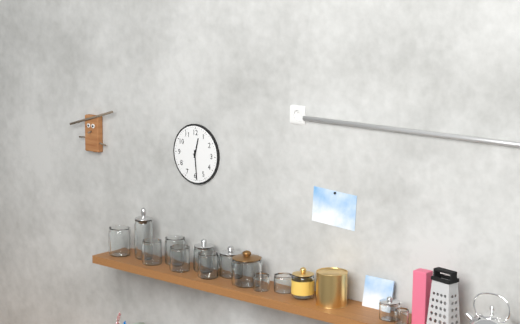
12.29
